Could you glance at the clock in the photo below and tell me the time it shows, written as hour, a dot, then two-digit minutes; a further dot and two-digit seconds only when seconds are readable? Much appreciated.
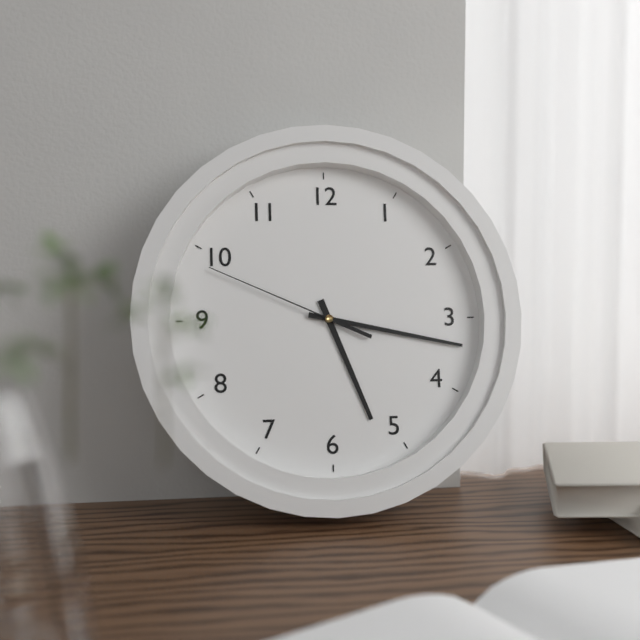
5.17.49
